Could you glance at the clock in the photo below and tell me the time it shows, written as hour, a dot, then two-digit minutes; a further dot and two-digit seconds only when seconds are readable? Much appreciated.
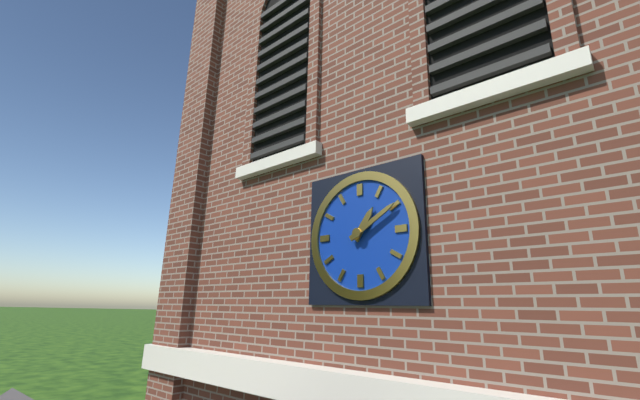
1.10
